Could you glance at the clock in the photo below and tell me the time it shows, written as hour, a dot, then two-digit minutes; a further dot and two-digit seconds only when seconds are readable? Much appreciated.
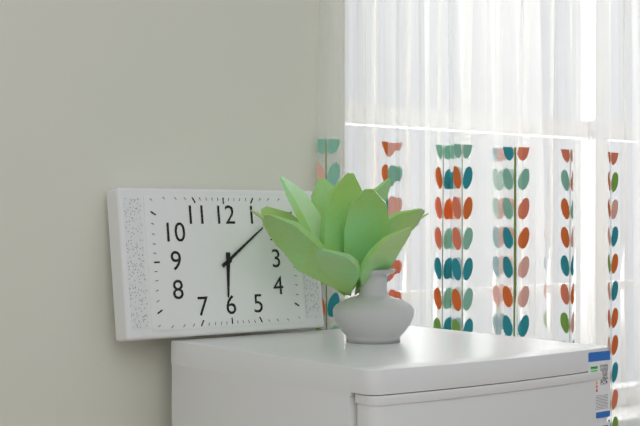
6.09
